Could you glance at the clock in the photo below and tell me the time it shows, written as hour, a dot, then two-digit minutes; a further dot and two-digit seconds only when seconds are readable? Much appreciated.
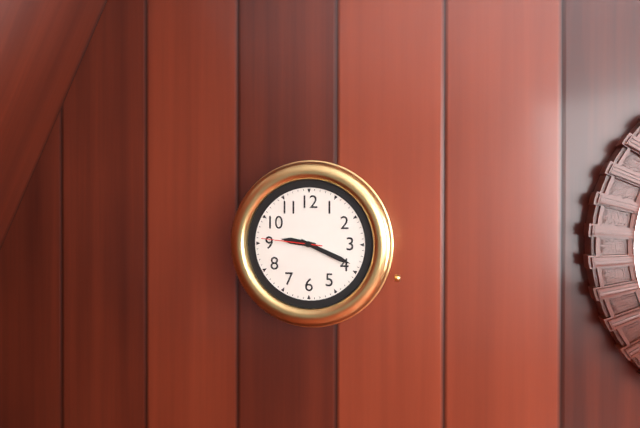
9.19.46
